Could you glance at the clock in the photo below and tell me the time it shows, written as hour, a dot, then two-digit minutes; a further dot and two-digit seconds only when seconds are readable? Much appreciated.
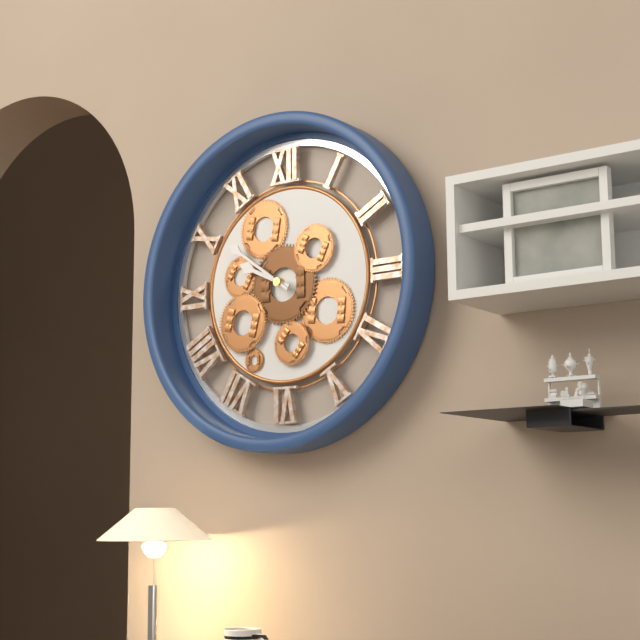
9.51
